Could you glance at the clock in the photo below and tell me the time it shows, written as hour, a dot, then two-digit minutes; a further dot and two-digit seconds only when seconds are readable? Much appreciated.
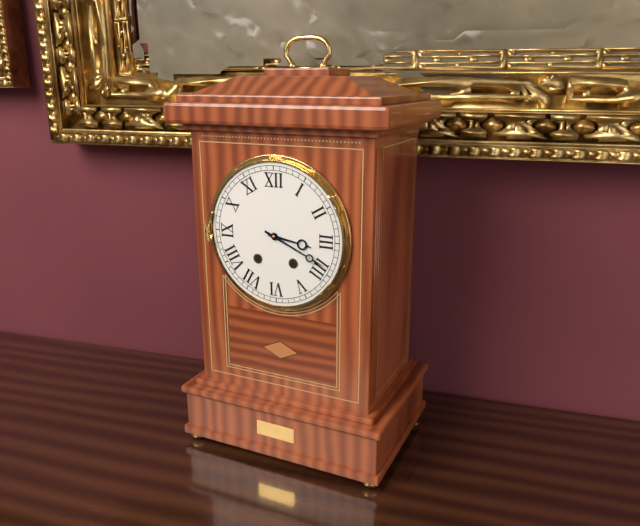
3.19
